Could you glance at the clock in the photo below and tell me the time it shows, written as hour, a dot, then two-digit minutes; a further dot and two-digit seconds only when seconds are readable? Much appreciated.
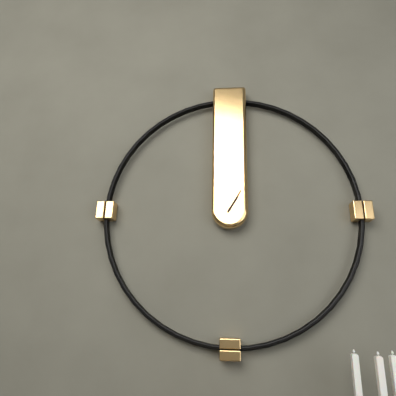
1.05
